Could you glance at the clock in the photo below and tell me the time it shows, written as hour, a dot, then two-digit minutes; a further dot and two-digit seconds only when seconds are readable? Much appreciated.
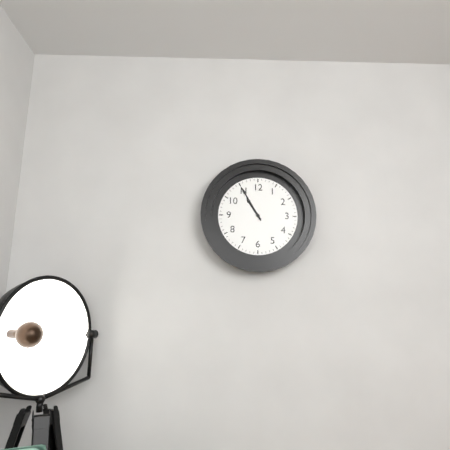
10.55
